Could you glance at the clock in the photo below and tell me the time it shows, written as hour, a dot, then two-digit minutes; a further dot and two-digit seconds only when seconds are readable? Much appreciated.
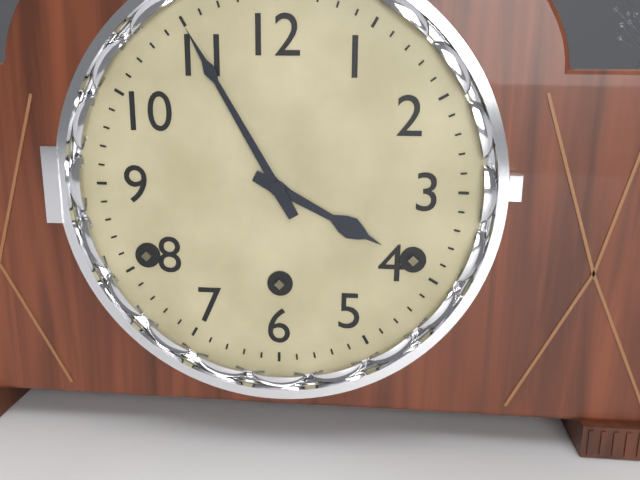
3.55
